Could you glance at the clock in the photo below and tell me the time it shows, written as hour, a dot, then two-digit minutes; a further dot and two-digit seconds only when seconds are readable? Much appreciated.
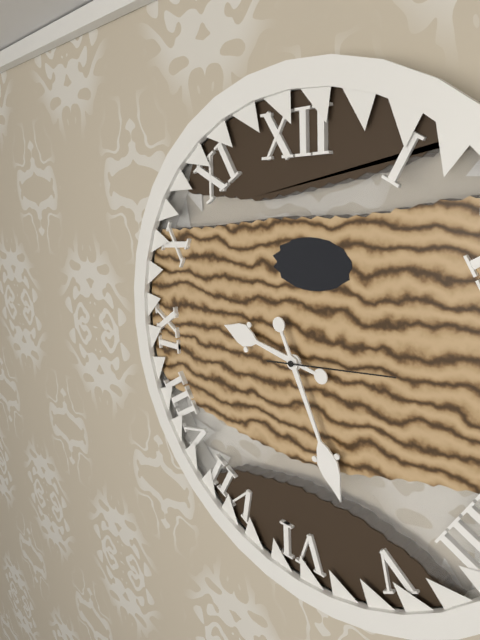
9.26.14
